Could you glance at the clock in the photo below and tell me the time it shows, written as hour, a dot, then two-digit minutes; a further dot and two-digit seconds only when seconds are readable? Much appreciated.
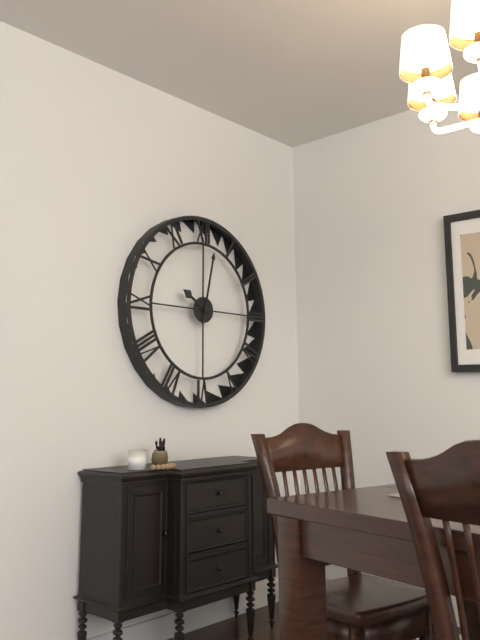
10.02
